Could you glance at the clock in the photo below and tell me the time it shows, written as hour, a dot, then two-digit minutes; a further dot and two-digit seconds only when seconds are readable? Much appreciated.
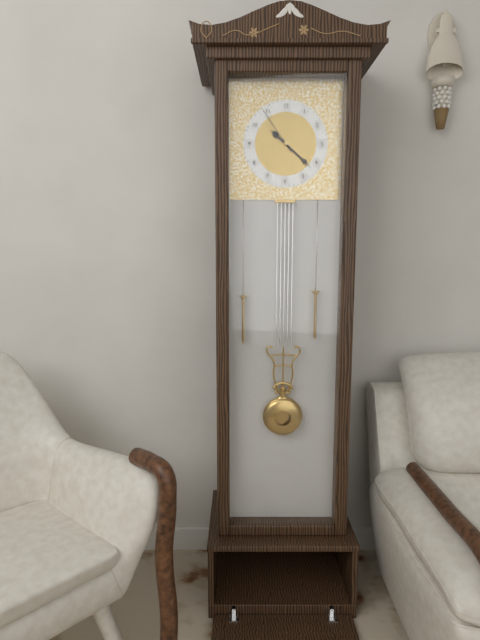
10.22.54
